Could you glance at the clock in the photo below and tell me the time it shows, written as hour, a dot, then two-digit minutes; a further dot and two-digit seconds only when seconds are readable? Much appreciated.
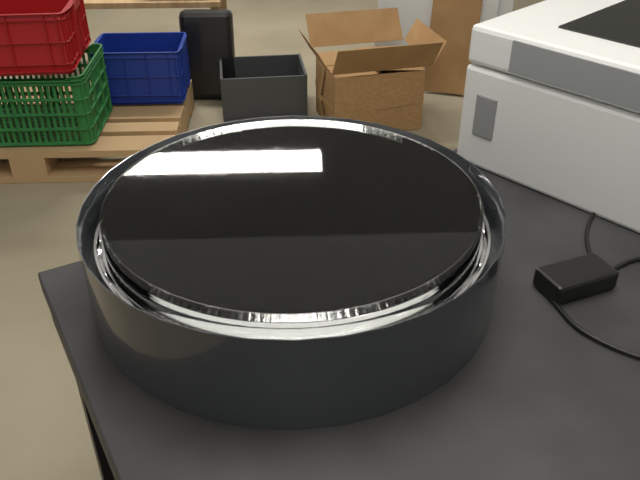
12.07
